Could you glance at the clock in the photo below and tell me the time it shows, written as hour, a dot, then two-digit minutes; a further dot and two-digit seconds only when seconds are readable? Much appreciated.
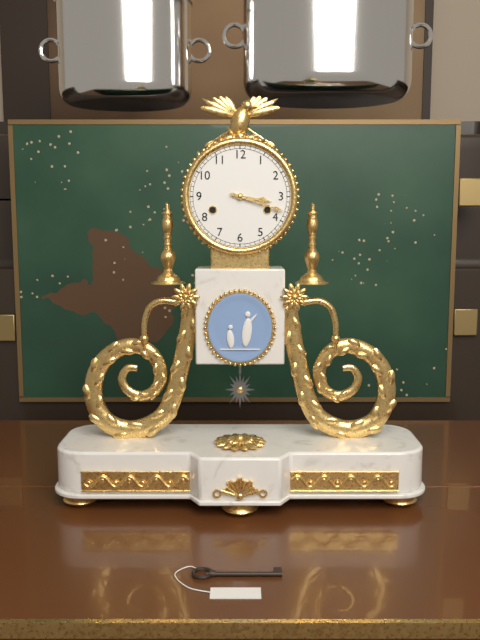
3.18
